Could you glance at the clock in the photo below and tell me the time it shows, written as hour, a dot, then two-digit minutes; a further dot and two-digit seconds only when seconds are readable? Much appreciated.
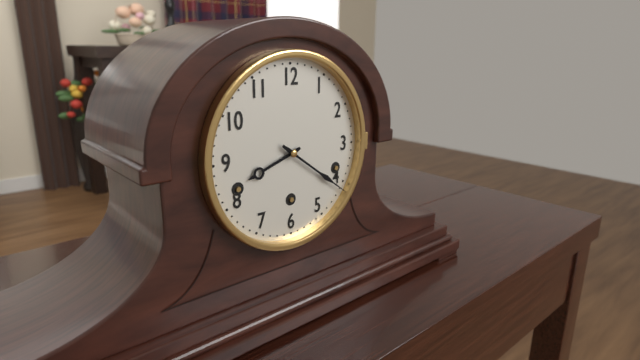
8.21
